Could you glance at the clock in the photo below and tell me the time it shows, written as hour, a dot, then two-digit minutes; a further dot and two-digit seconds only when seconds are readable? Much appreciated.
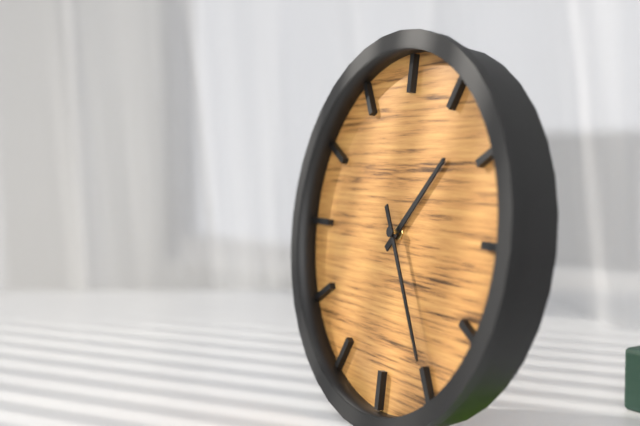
1.25
